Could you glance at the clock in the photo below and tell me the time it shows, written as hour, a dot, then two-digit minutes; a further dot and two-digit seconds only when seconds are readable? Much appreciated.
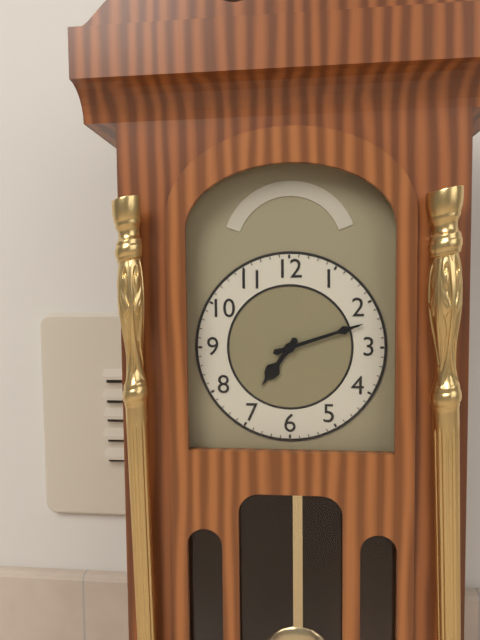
7.12
